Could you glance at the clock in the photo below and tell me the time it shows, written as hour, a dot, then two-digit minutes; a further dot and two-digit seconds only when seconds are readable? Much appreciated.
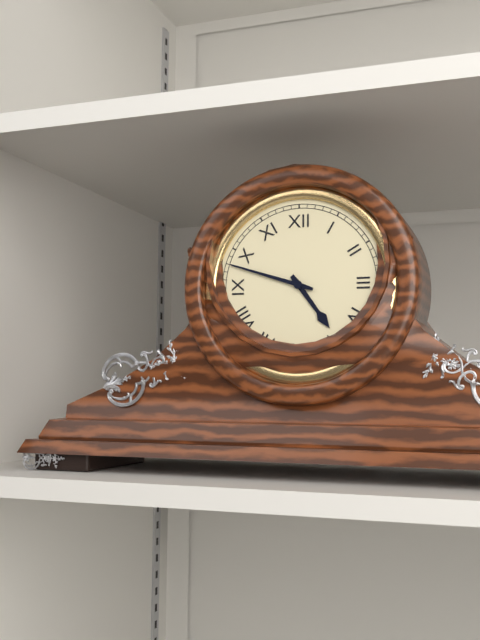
4.48
